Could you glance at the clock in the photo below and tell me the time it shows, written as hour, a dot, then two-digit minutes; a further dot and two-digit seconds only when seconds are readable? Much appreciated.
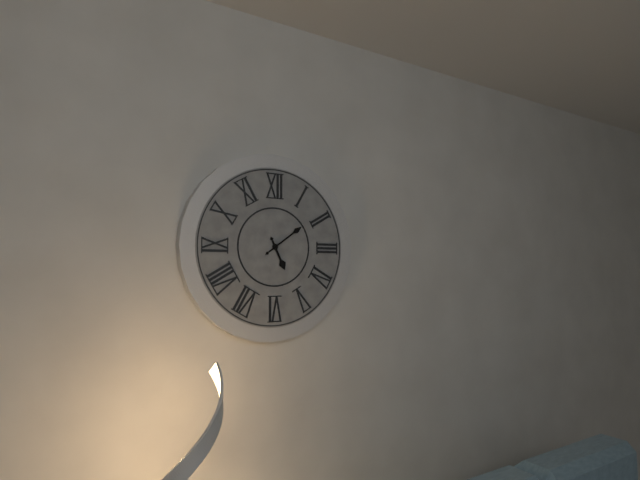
5.09
